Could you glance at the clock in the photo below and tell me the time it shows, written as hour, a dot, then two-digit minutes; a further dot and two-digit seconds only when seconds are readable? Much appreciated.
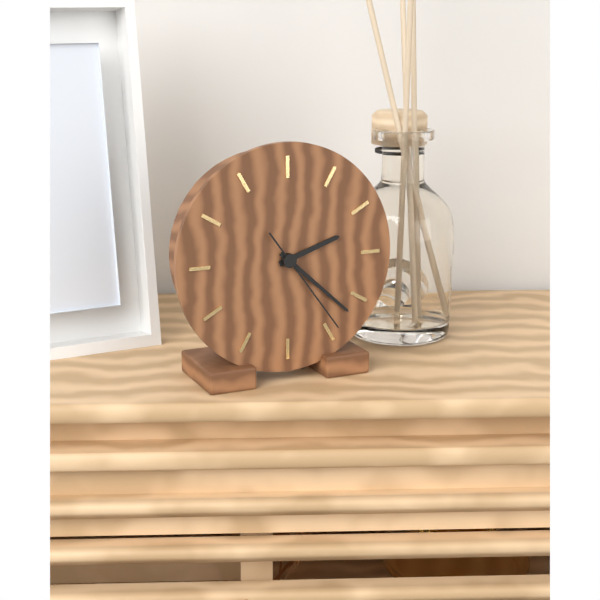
2.22.24
